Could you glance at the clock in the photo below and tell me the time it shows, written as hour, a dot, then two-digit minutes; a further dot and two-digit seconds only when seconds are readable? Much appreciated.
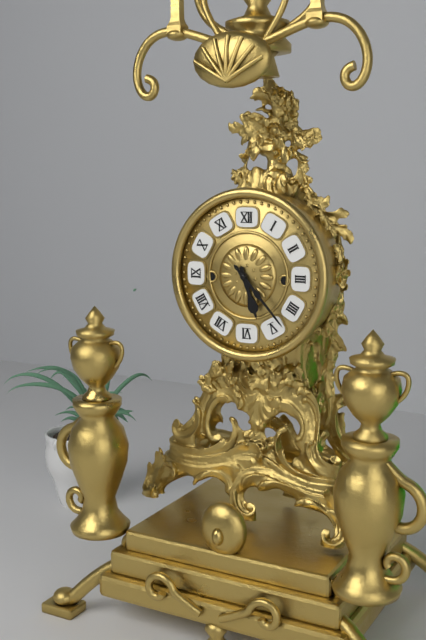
5.23
